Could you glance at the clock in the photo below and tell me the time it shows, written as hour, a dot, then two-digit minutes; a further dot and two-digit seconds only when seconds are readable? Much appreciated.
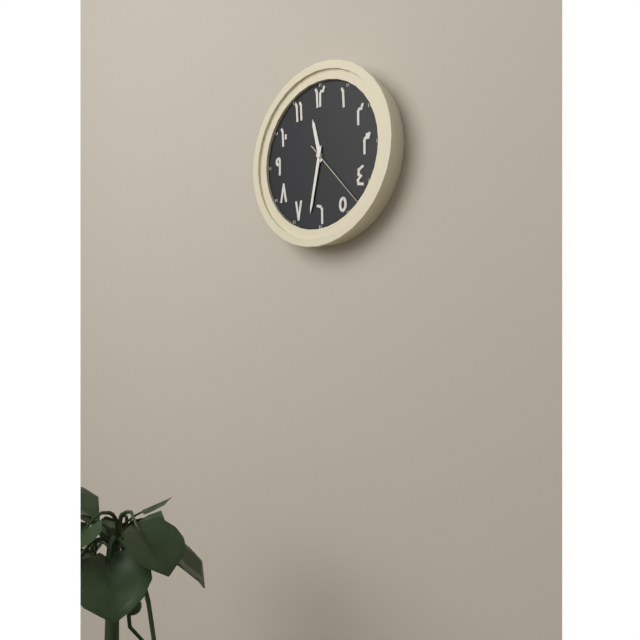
11.32.23
